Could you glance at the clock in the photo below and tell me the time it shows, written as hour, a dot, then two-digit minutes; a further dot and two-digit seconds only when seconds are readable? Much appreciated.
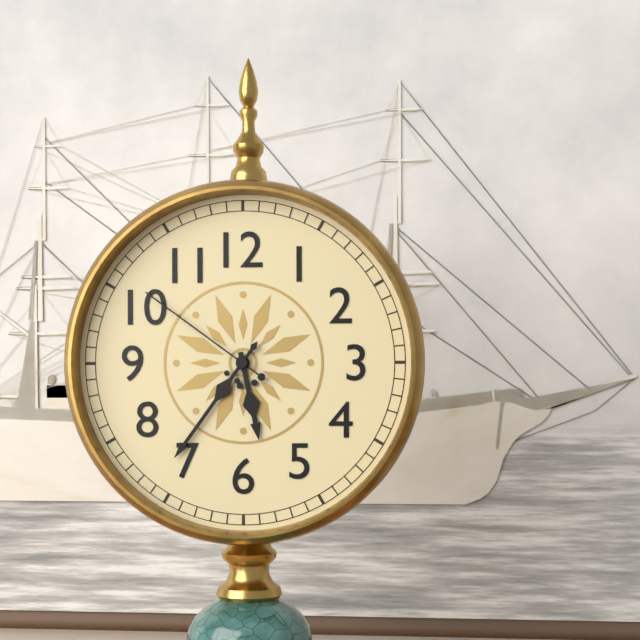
5.36.51
